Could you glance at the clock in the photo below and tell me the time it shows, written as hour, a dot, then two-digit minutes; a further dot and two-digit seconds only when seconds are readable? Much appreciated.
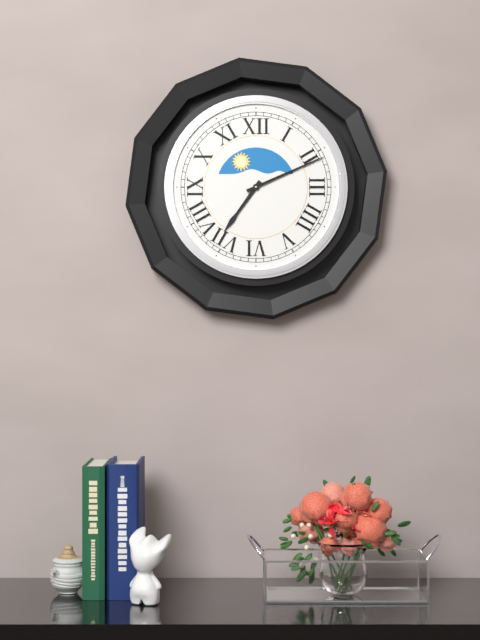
7.11
